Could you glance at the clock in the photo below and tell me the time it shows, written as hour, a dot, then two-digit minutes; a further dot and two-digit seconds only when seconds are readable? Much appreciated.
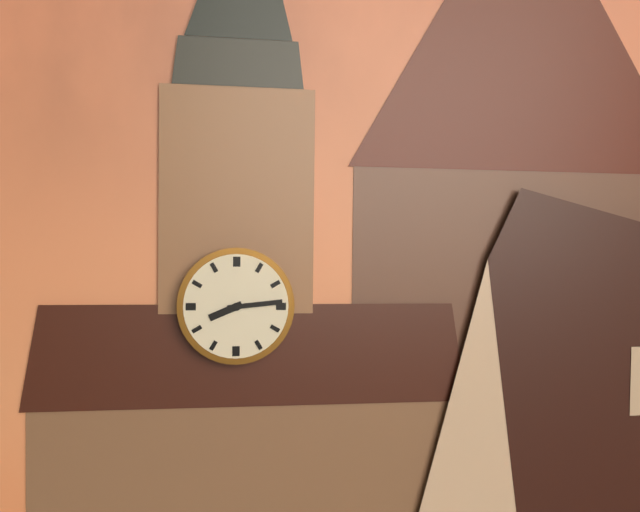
8.14
